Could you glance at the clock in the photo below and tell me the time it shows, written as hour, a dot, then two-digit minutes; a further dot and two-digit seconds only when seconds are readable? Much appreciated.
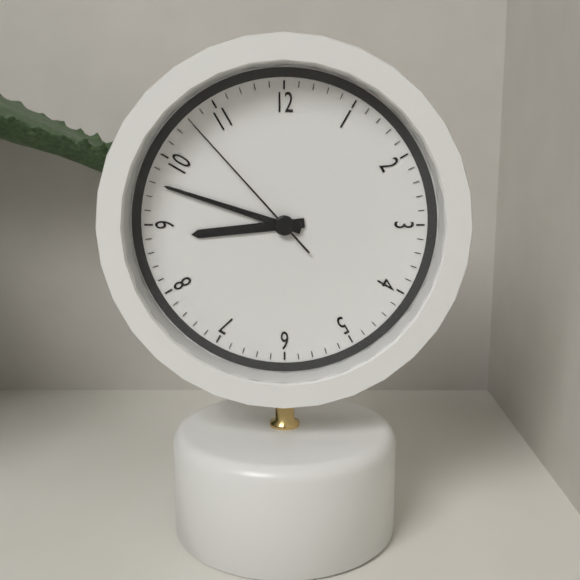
8.48.53
